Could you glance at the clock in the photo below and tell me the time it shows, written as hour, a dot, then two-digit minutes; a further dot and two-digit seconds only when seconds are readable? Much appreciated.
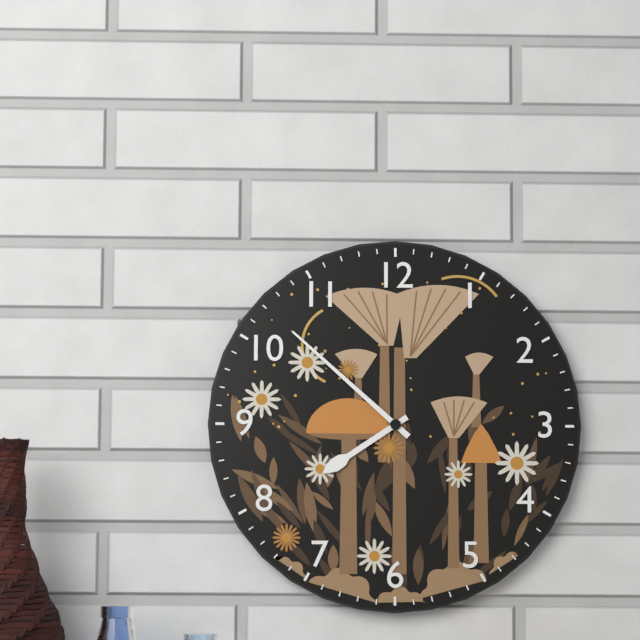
7.52
